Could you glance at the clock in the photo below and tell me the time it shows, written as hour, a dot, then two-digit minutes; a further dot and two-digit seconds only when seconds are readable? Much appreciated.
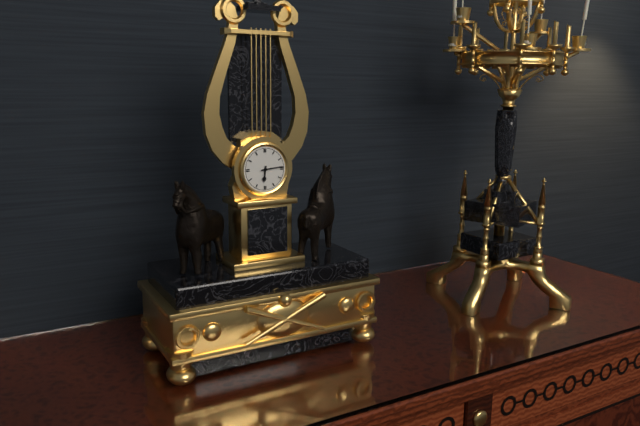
6.14
